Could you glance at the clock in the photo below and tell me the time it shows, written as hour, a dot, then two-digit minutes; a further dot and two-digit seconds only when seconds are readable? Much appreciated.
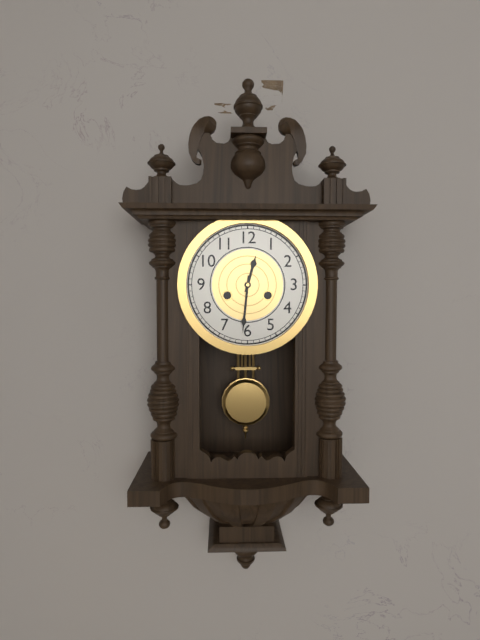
12.31
